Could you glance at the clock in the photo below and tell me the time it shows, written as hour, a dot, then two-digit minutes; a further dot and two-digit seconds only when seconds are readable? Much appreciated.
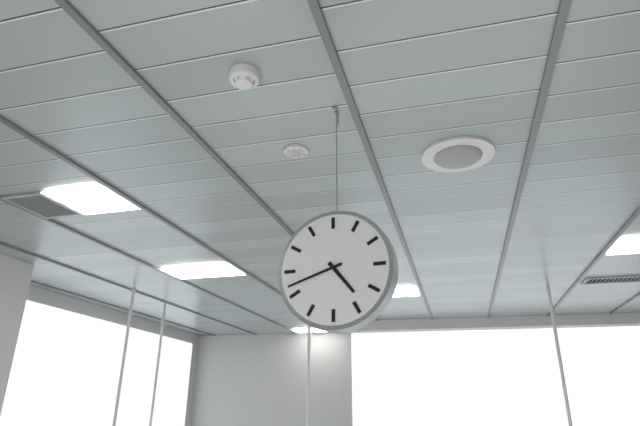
4.42
